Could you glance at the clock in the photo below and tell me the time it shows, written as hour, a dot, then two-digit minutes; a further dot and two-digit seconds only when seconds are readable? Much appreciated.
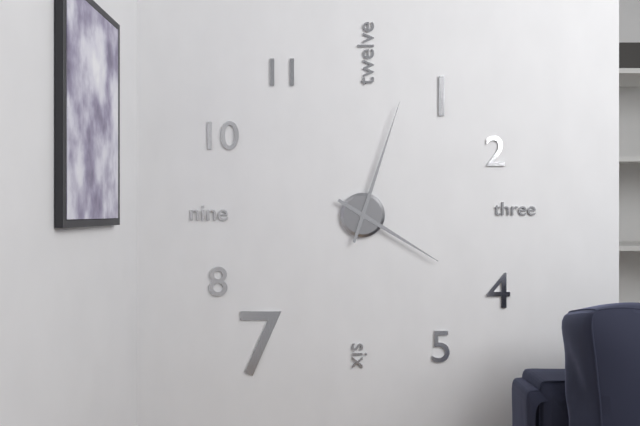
4.03
